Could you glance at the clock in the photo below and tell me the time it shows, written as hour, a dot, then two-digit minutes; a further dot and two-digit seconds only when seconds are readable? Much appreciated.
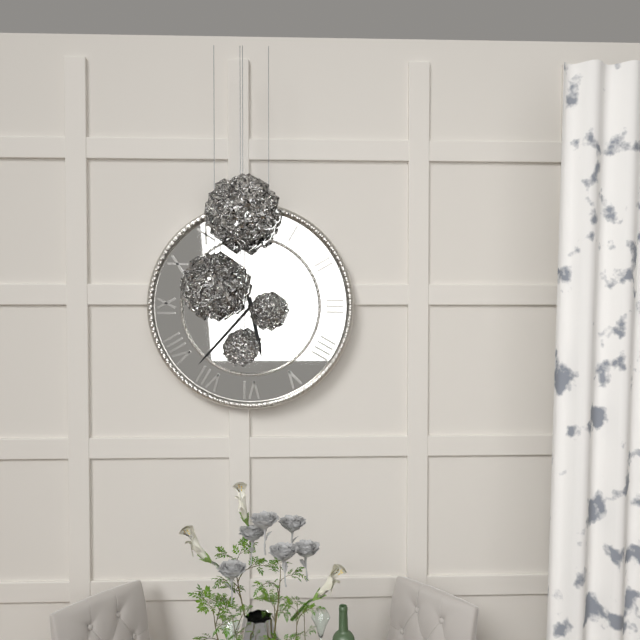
5.37
